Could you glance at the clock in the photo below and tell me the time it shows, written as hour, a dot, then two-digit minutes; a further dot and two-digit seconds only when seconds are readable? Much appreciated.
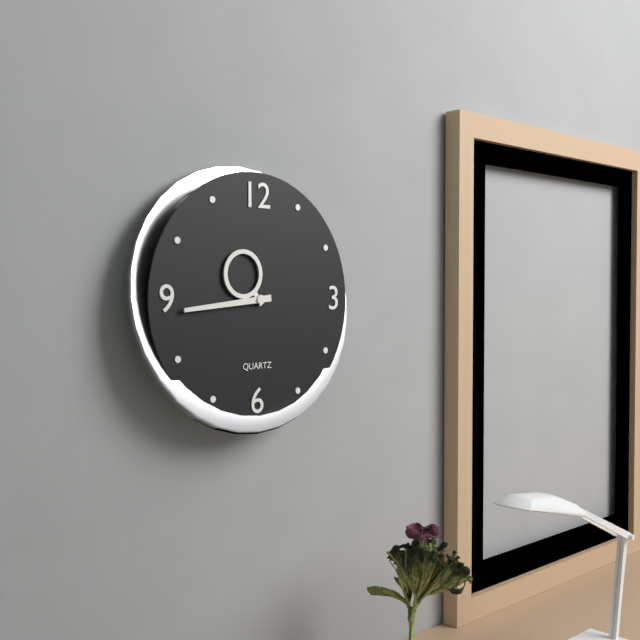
10.44
